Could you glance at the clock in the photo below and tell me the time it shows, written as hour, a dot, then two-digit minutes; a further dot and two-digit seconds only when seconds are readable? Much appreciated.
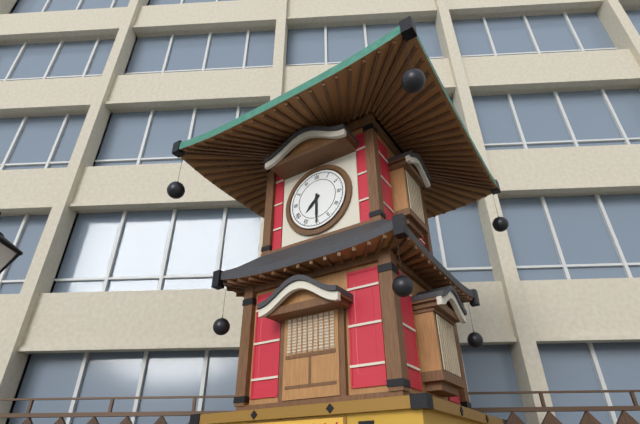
7.30
